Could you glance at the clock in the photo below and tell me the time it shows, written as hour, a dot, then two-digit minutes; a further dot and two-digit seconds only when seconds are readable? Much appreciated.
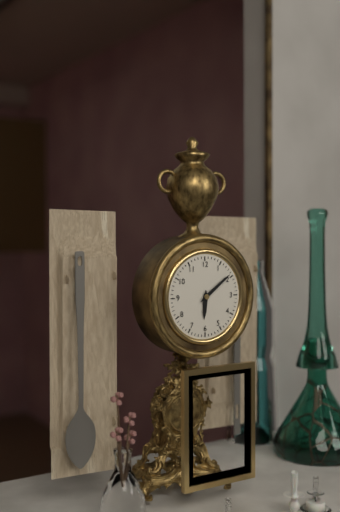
6.09
